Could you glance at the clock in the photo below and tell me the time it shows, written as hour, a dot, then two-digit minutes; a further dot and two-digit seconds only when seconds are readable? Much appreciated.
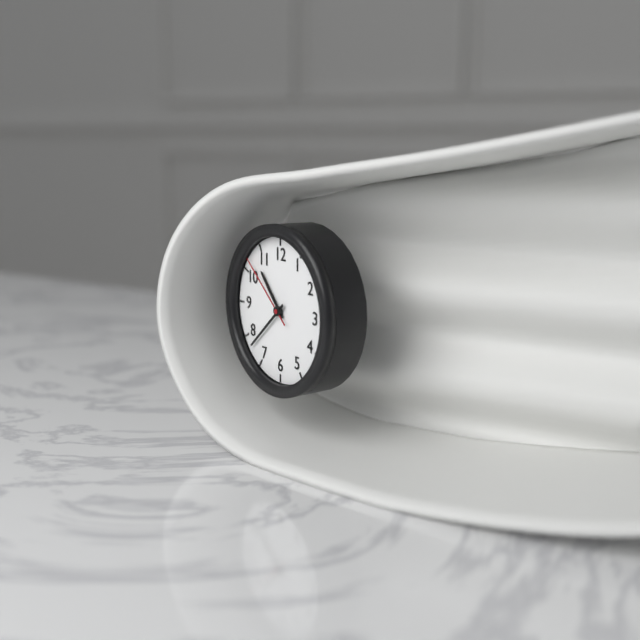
10.38.52
